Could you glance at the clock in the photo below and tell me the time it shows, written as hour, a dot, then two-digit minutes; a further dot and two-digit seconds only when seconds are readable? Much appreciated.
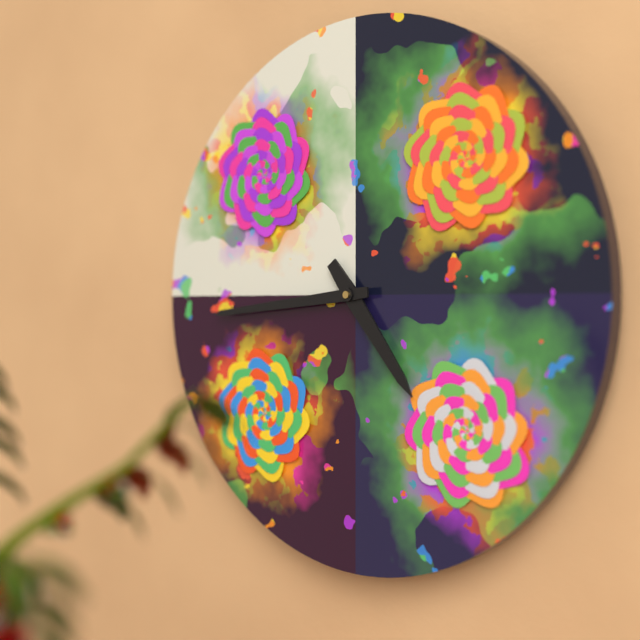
4.44
